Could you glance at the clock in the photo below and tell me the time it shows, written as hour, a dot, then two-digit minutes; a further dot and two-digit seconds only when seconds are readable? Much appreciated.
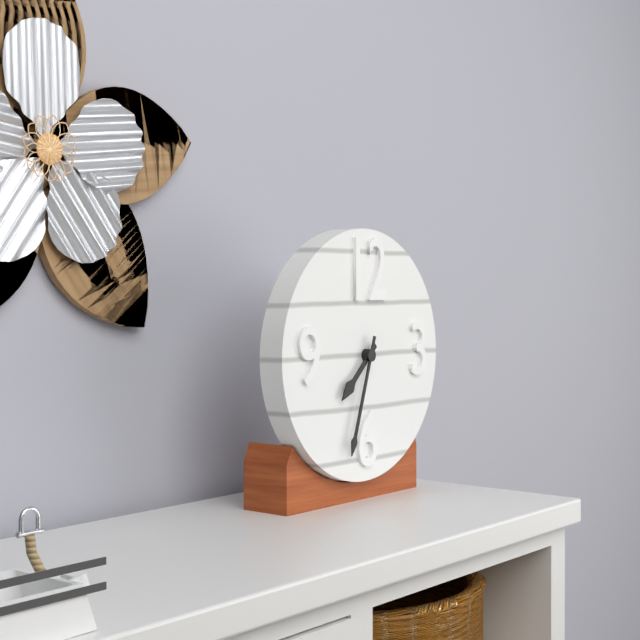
7.33
